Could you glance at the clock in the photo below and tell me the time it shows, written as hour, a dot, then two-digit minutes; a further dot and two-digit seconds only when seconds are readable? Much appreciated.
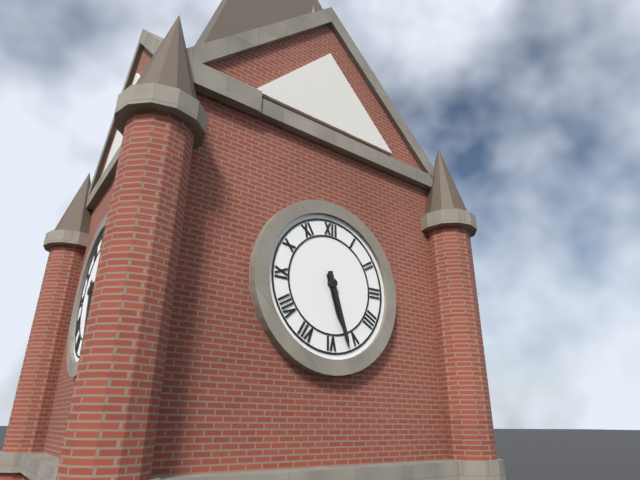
5.27
